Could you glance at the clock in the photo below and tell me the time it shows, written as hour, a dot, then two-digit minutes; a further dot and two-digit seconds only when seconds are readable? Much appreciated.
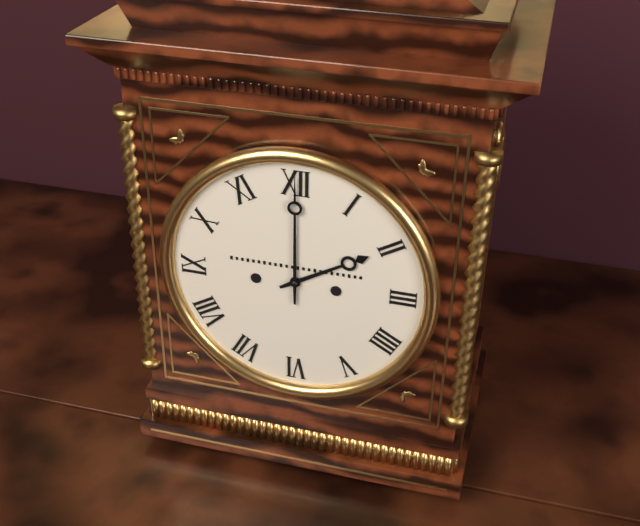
2.00
